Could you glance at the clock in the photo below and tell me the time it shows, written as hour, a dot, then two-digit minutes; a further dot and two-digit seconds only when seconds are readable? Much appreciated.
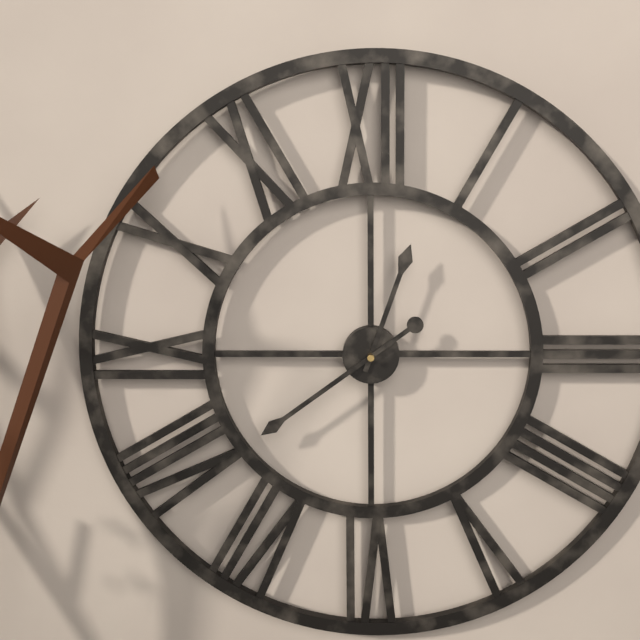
12.39
